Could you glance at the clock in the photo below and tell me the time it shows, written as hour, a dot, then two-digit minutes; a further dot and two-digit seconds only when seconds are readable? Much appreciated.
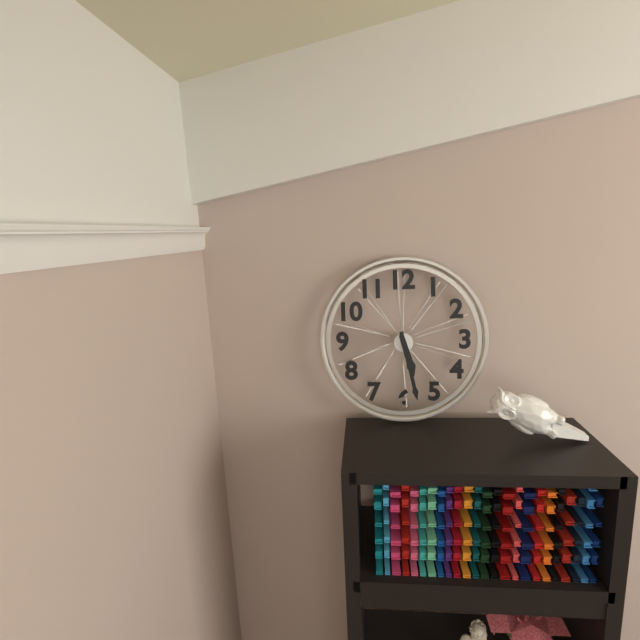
5.28
